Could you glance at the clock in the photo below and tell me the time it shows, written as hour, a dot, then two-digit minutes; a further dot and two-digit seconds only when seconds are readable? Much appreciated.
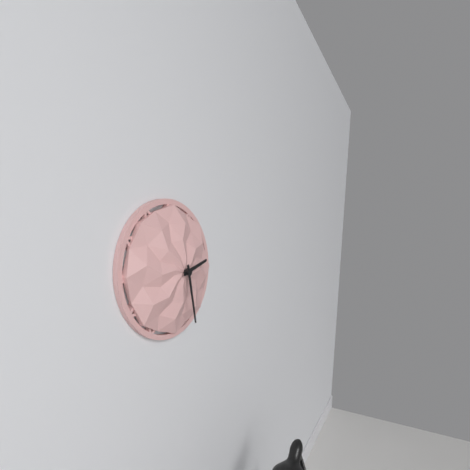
2.28
